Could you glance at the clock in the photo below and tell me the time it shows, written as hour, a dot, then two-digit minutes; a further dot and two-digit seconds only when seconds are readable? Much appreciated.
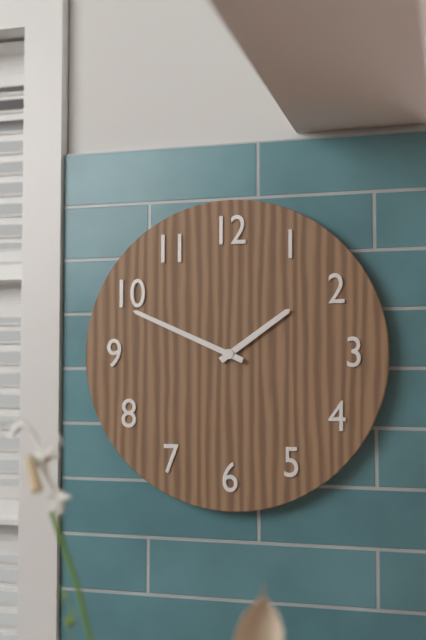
1.49
